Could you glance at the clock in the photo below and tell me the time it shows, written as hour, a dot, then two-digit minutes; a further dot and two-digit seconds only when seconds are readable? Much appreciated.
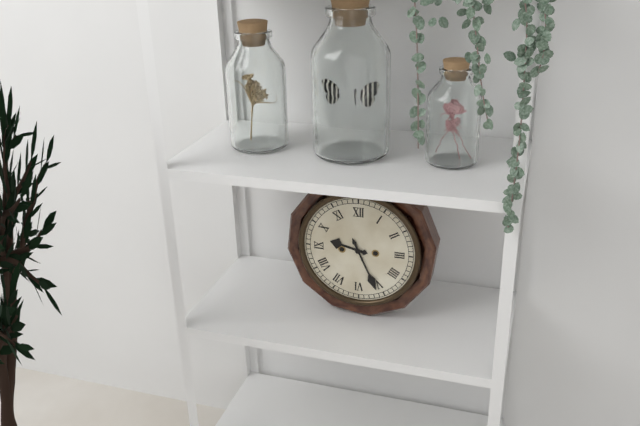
9.26
